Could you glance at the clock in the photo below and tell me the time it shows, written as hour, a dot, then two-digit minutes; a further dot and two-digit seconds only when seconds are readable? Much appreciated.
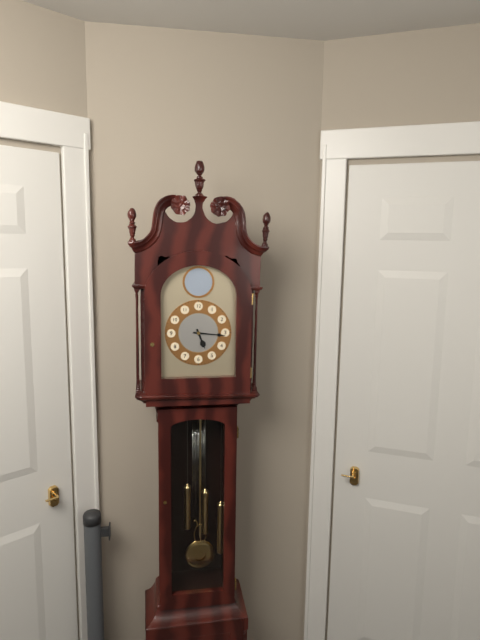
5.16
